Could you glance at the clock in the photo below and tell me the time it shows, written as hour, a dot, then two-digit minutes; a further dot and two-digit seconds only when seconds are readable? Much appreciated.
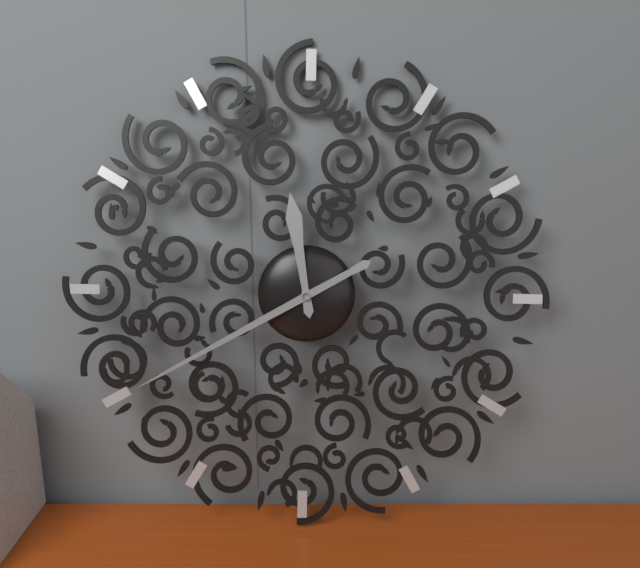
11.40
